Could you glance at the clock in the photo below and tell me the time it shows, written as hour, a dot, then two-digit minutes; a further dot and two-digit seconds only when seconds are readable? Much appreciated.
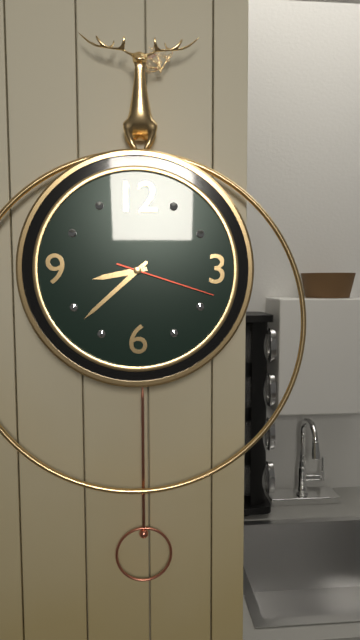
8.38.18
